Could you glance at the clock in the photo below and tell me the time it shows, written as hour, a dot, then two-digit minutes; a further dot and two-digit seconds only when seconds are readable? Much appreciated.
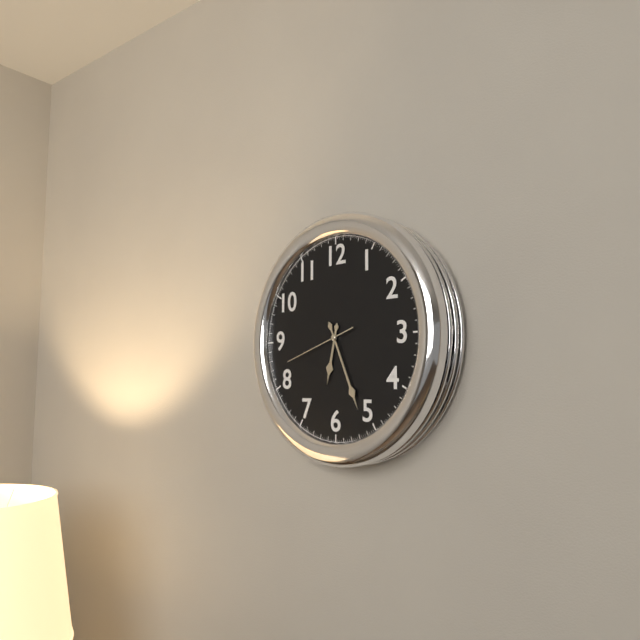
6.26.42
